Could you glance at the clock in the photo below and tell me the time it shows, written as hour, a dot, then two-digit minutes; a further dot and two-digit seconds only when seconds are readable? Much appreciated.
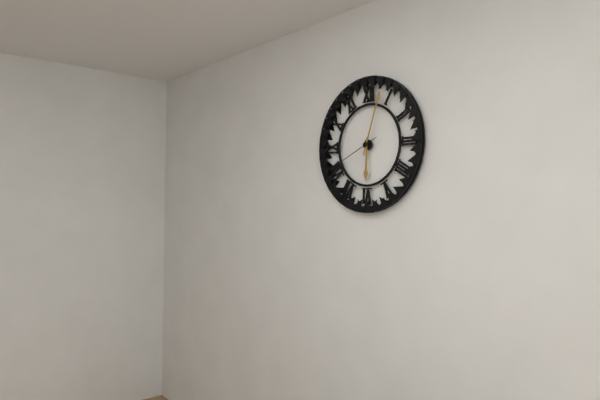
6.03.41
